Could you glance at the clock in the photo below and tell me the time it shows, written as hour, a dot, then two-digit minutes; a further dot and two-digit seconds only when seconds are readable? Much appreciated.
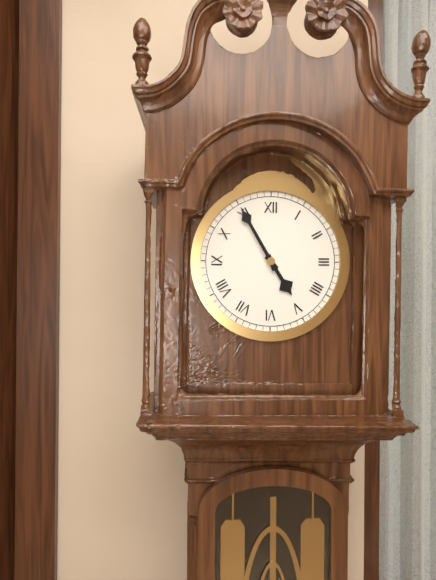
4.55
